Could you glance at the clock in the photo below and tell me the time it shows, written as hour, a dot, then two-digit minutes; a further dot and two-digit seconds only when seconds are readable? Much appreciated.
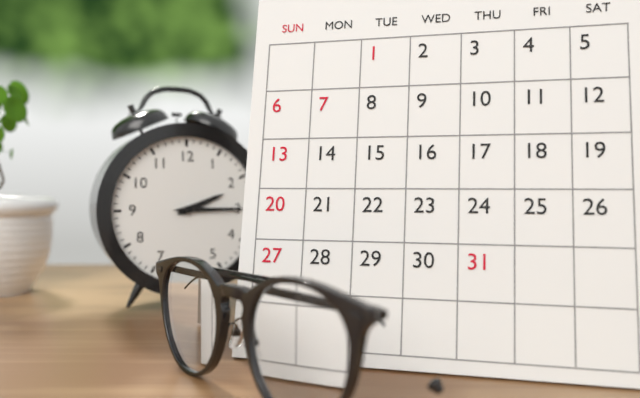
2.15
